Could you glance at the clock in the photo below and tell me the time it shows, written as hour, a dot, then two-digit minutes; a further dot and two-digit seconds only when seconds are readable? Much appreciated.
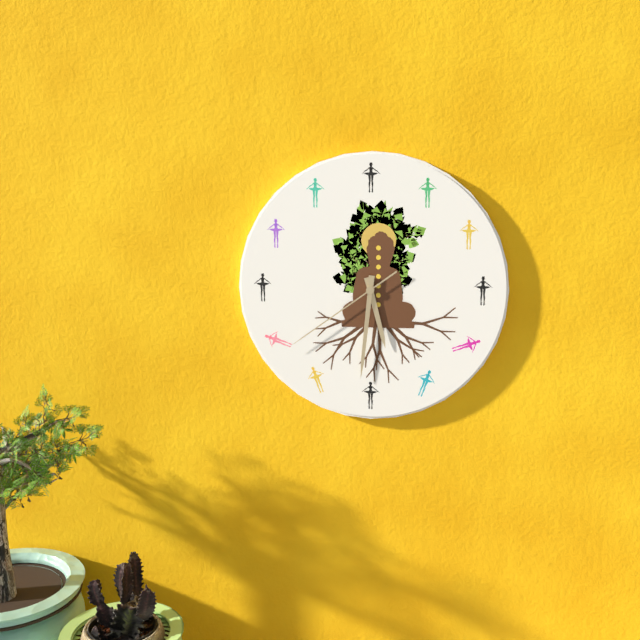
5.31.39
